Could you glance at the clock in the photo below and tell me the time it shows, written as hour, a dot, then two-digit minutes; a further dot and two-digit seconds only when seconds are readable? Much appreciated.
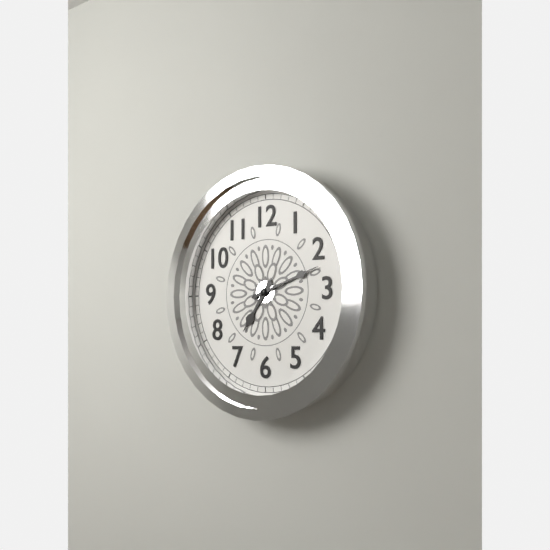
7.12
